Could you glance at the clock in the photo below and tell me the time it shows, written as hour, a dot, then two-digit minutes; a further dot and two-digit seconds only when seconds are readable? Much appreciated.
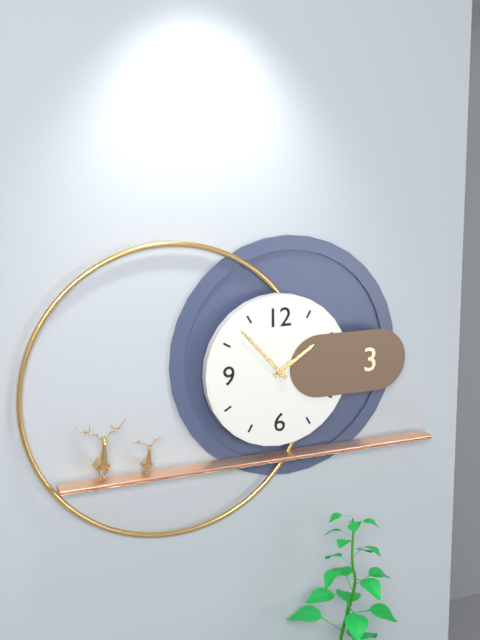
1.53
